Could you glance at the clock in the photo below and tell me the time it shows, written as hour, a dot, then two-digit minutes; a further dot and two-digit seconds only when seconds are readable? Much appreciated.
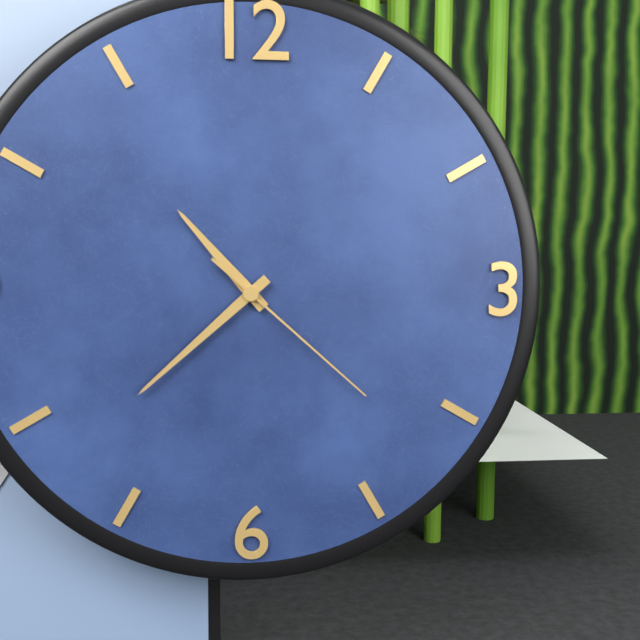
10.38.22
